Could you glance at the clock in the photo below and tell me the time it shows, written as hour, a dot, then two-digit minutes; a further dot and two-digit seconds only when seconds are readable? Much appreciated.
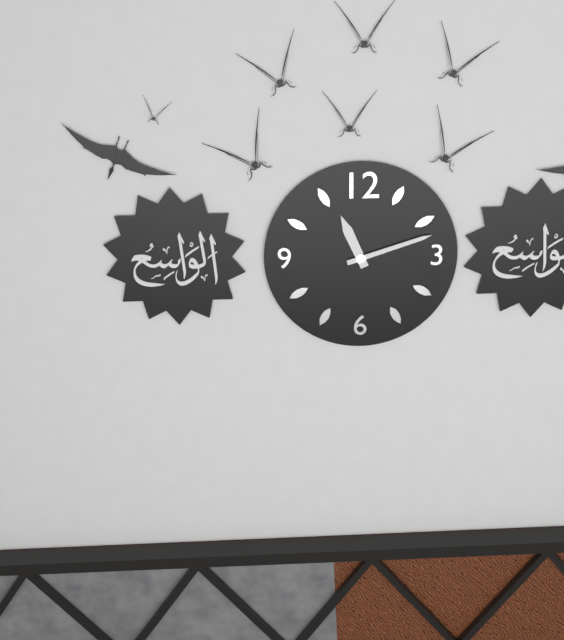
11.12
